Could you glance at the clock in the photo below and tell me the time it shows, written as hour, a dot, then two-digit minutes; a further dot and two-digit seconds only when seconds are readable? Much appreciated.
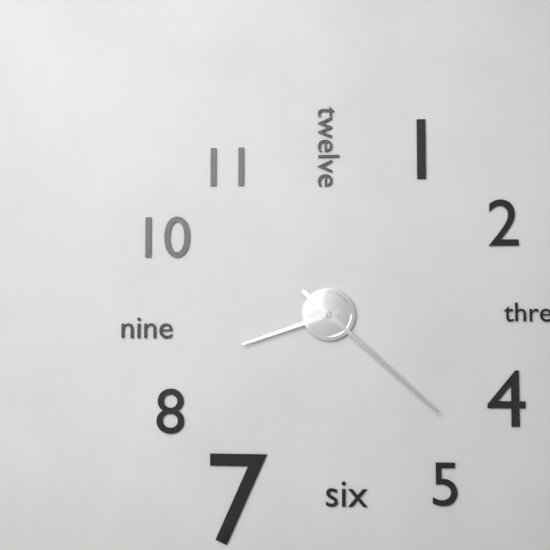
8.22
